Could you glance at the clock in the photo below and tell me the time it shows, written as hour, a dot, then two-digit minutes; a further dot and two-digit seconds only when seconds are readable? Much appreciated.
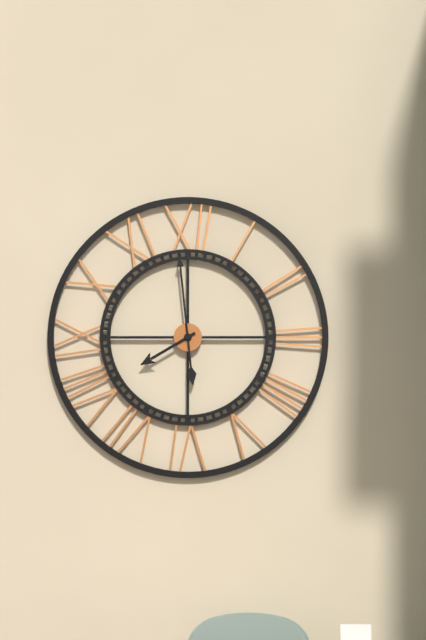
7.59
